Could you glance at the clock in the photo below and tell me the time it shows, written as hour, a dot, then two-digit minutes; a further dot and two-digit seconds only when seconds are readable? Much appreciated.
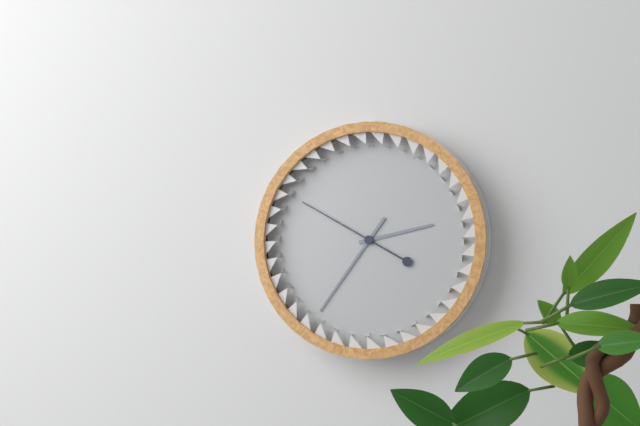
2.36.50
